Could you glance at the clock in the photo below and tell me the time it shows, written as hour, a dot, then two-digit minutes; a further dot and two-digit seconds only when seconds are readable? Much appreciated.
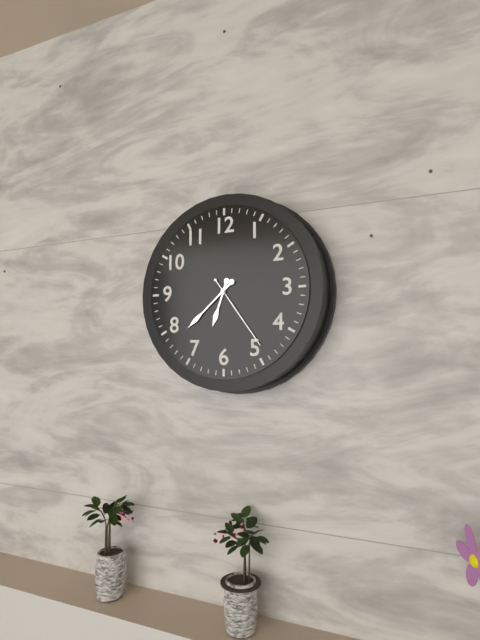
6.38.24
